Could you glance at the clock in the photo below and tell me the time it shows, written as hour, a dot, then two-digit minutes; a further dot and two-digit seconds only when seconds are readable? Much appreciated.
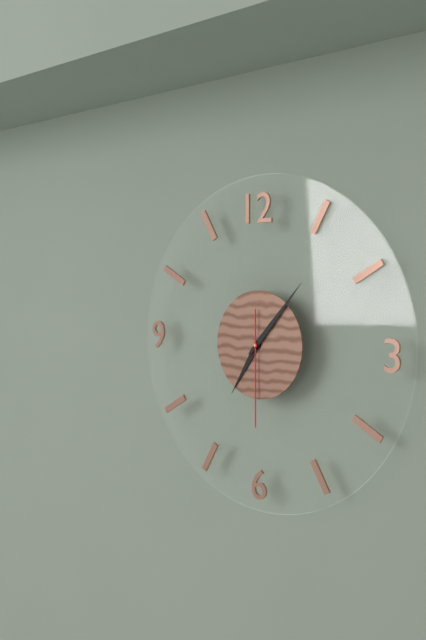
7.07.30
